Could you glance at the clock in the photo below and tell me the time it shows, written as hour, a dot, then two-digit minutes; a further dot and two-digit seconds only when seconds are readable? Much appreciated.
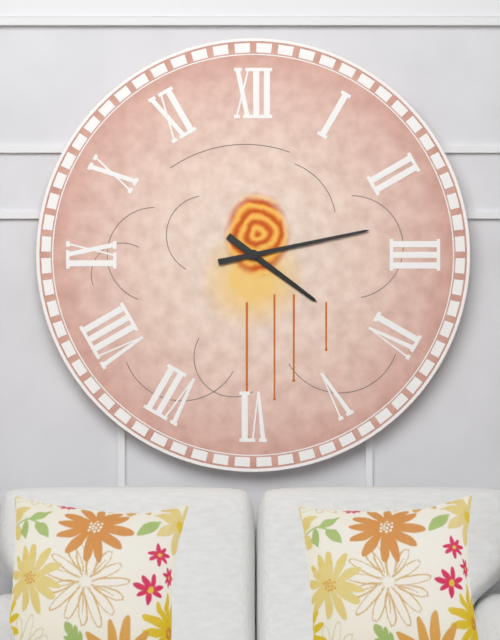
4.13
